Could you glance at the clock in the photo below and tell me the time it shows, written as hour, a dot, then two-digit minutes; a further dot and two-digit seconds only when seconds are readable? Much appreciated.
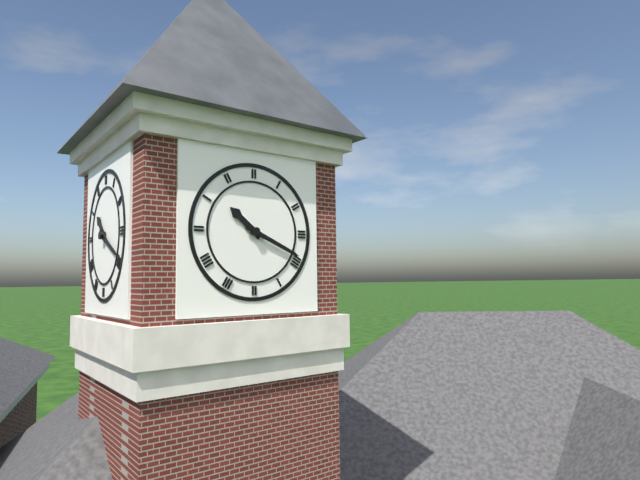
10.19
